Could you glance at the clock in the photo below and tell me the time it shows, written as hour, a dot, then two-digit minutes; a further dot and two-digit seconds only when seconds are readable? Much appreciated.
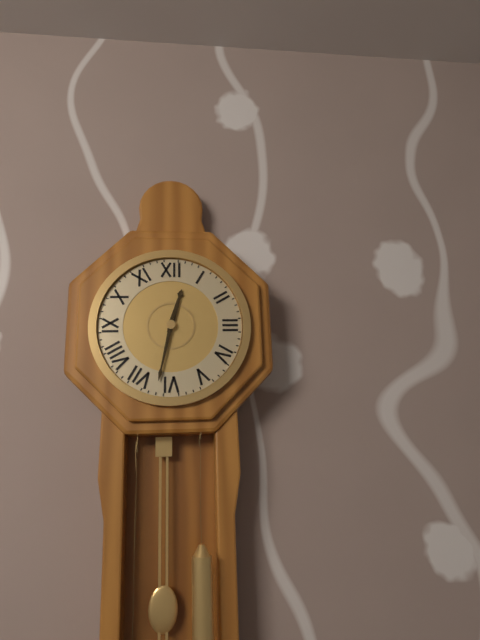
12.32
